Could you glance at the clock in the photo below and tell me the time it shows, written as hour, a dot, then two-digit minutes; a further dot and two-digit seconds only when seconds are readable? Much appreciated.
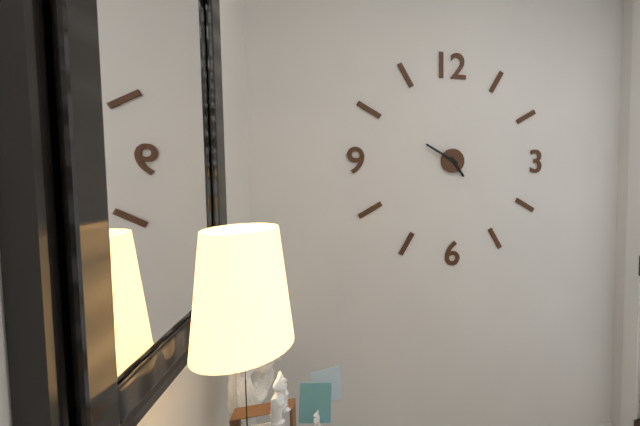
4.50
